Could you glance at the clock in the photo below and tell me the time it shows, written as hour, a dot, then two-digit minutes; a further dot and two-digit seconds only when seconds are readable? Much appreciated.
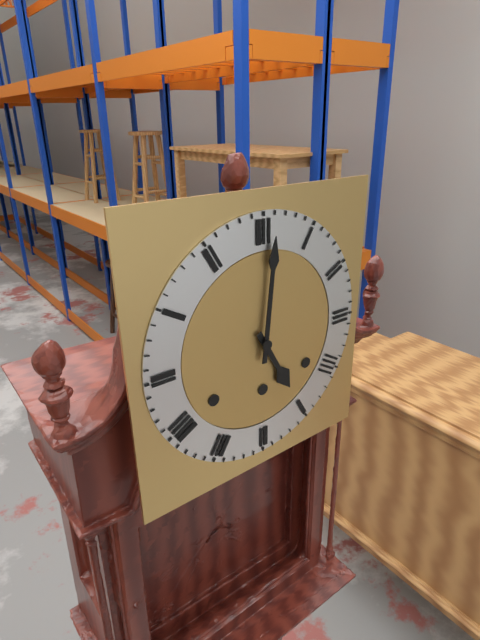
5.01
